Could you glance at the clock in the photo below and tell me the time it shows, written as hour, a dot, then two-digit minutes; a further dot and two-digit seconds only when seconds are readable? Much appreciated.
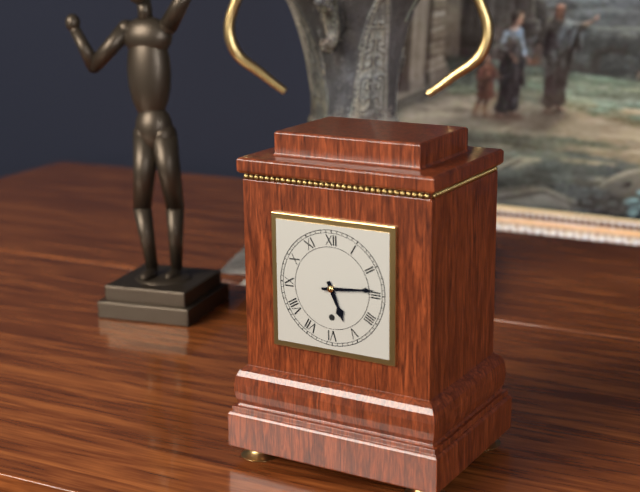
5.14
